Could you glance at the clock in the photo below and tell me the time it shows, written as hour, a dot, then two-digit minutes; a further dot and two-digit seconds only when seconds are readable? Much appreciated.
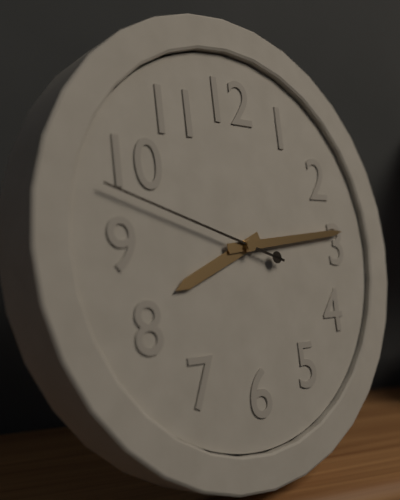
8.14.48
